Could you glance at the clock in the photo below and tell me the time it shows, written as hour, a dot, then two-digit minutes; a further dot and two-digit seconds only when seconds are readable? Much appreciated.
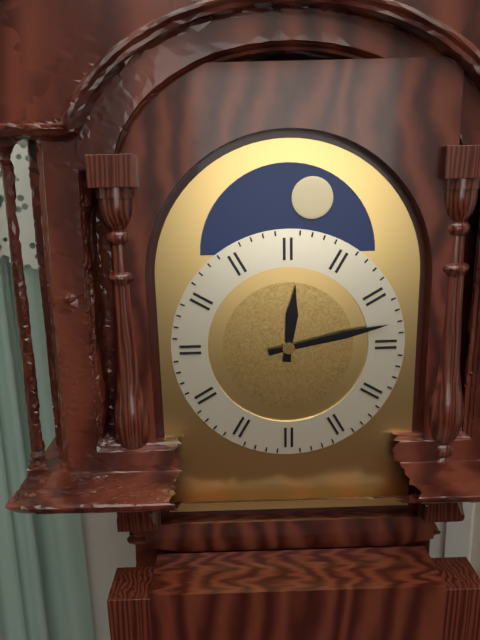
12.13
